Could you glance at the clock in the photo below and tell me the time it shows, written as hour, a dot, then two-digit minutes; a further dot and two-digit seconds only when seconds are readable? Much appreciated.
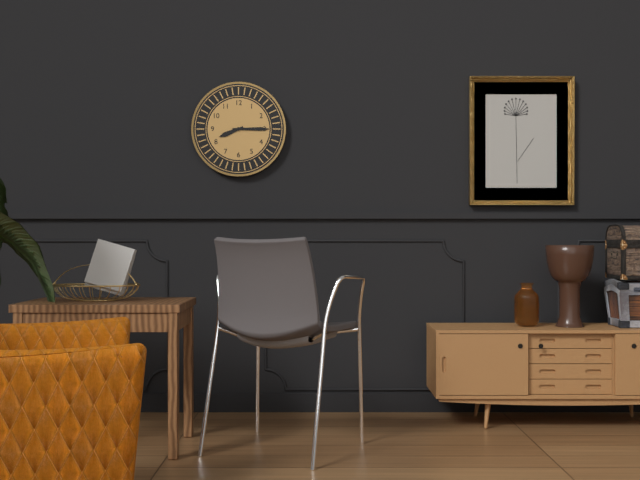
8.15
